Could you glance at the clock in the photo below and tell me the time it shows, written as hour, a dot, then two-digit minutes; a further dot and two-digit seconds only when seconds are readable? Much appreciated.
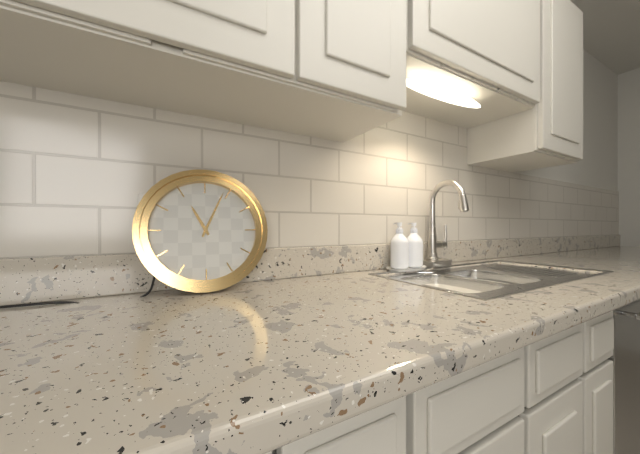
11.04
